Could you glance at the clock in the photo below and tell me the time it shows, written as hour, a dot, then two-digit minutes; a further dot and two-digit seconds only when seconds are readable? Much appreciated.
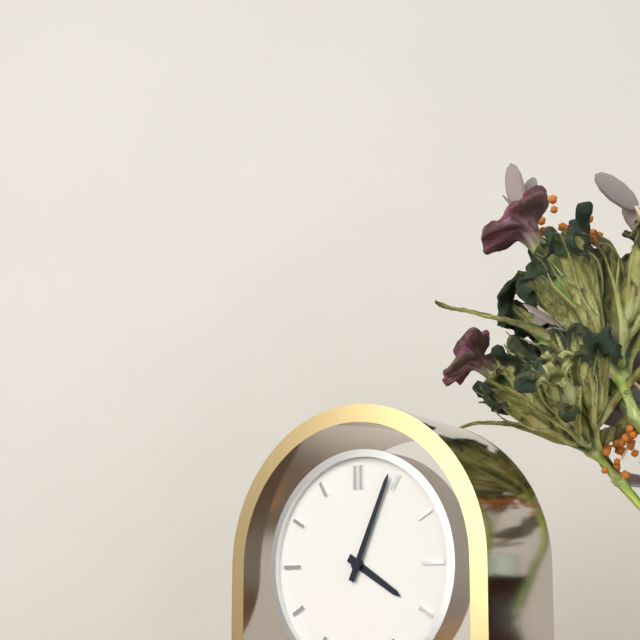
4.04
